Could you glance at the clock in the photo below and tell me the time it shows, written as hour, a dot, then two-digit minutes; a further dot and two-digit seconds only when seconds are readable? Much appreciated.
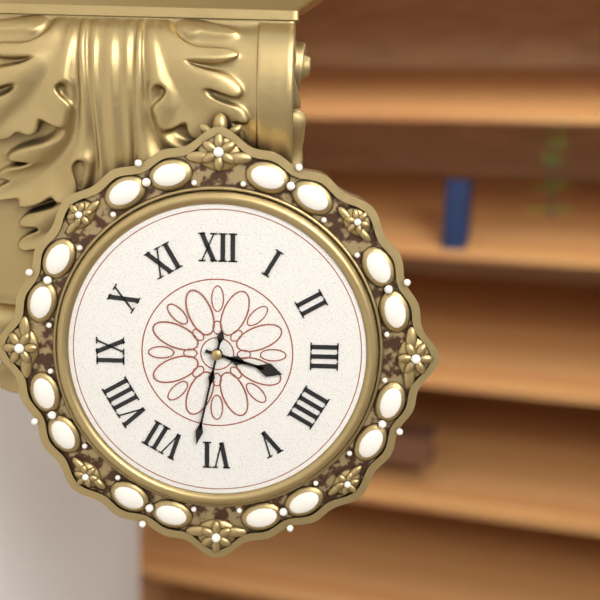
3.32
